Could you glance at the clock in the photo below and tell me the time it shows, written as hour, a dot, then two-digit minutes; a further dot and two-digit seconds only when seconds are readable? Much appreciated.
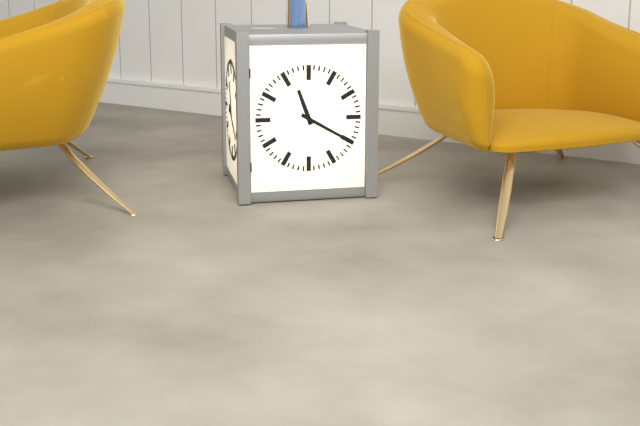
11.20
